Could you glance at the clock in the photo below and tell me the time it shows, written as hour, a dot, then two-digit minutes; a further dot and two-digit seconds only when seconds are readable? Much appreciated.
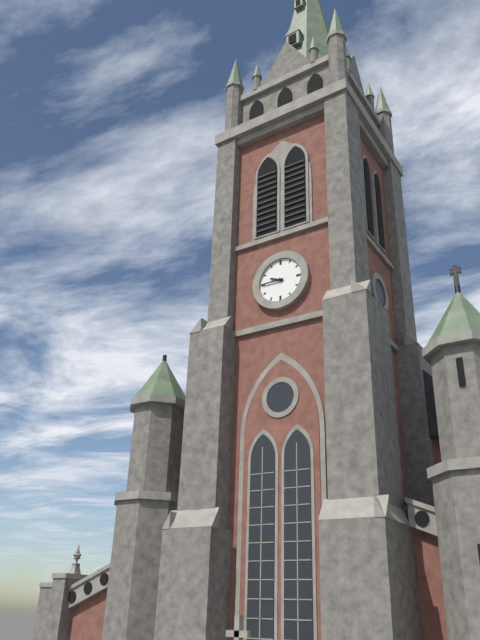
9.45
